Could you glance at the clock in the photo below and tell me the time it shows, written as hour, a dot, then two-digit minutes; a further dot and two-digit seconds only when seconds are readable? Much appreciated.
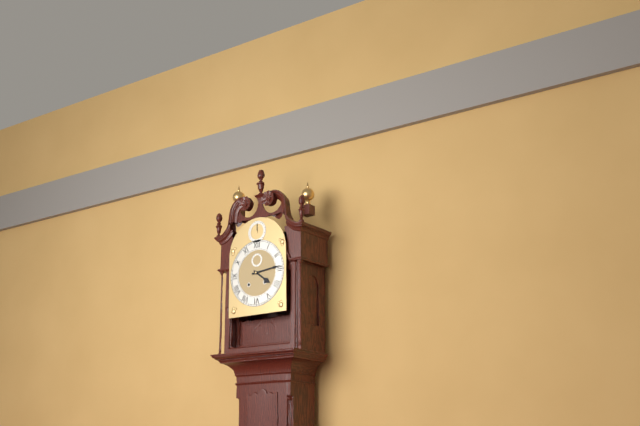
4.14
